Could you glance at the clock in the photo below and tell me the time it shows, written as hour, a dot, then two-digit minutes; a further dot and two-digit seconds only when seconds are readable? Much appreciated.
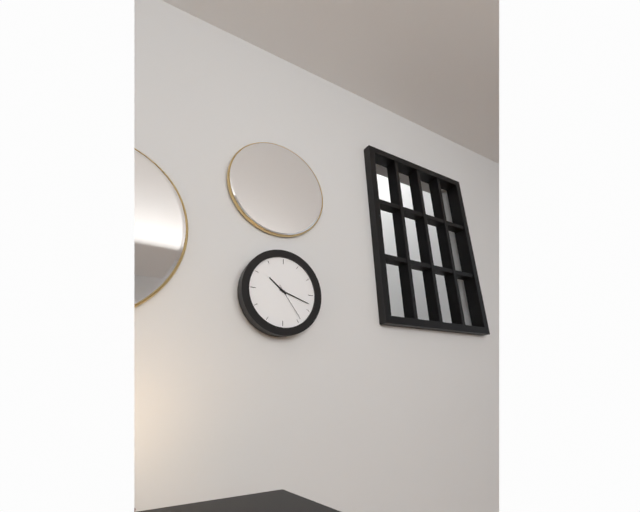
10.18
